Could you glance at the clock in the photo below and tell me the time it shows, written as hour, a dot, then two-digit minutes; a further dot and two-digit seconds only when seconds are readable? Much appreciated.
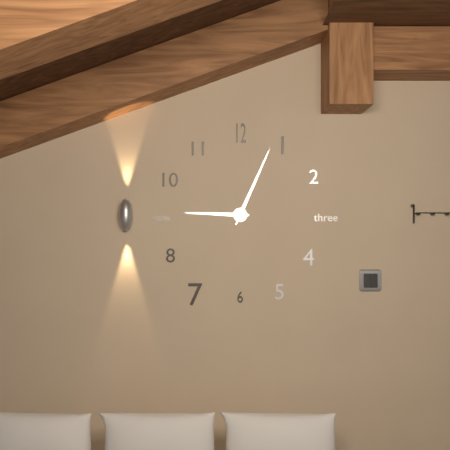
9.04
